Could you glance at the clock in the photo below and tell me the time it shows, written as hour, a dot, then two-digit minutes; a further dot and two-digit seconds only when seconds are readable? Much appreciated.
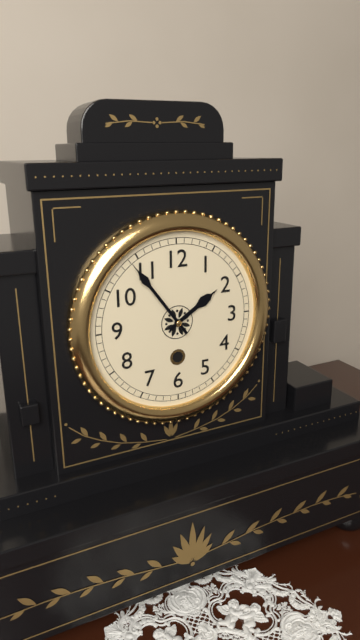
1.54
